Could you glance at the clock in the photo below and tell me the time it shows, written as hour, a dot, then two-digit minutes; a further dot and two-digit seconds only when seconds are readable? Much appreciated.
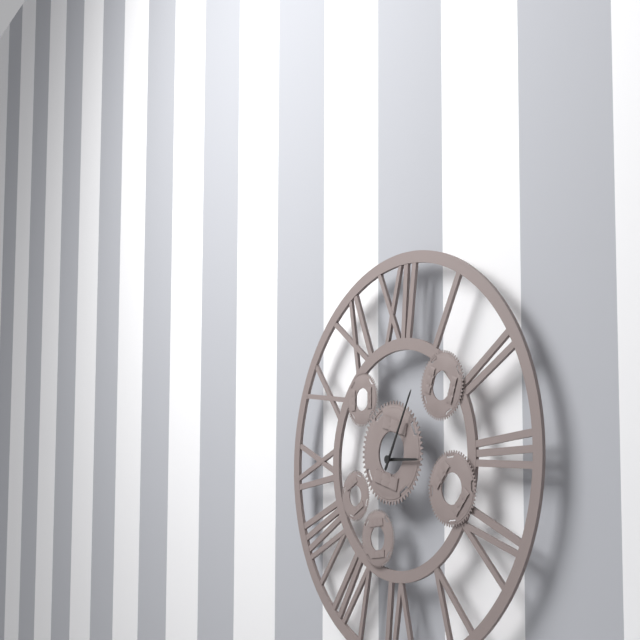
3.05
